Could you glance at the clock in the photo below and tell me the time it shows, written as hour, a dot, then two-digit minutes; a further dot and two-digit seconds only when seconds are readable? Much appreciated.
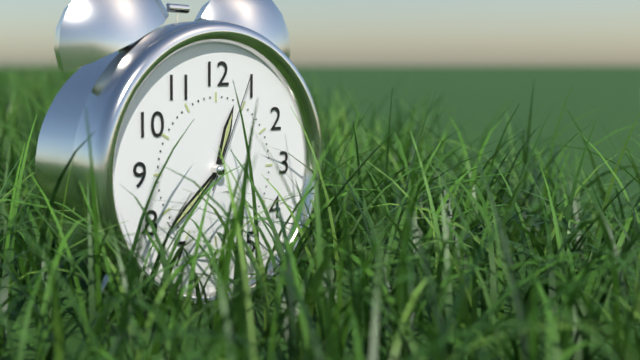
12.38.04
